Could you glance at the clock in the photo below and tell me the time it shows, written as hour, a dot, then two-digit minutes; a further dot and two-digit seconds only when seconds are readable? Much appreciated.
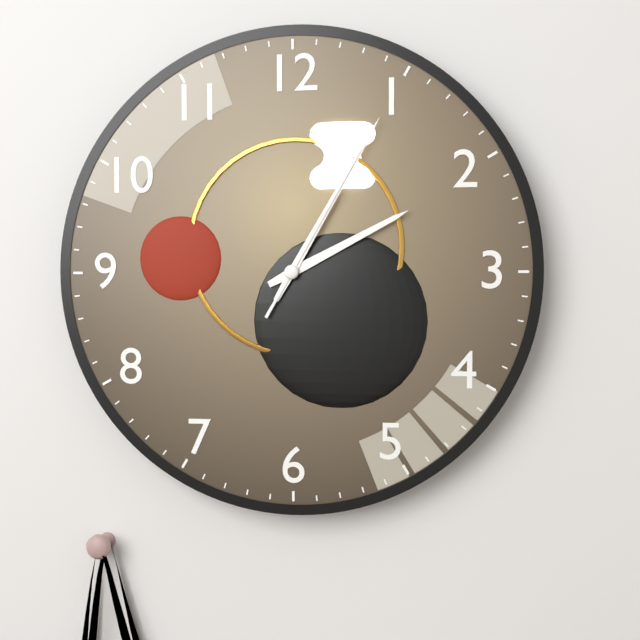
2.05.05
